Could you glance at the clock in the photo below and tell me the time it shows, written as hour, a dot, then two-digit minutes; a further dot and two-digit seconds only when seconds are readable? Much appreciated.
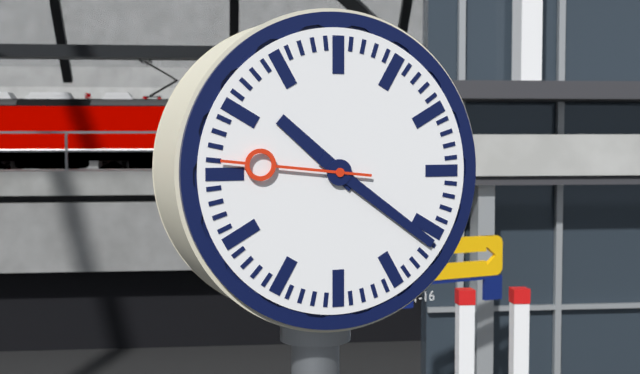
10.21.46
